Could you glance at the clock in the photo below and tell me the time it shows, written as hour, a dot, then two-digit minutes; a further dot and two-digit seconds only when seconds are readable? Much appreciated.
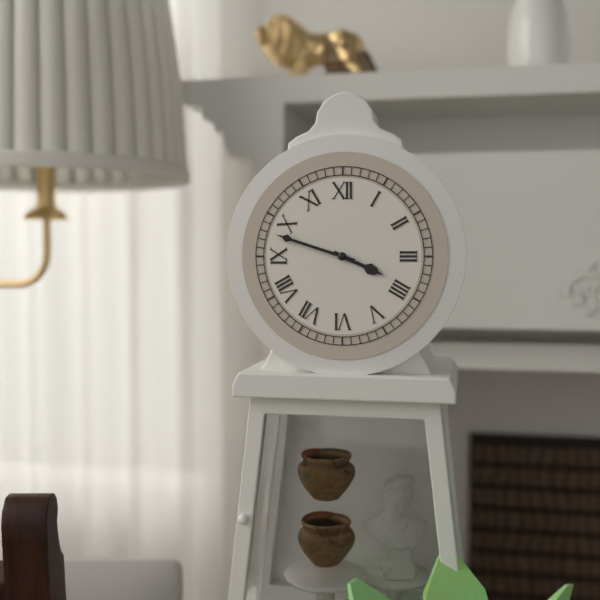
3.48
